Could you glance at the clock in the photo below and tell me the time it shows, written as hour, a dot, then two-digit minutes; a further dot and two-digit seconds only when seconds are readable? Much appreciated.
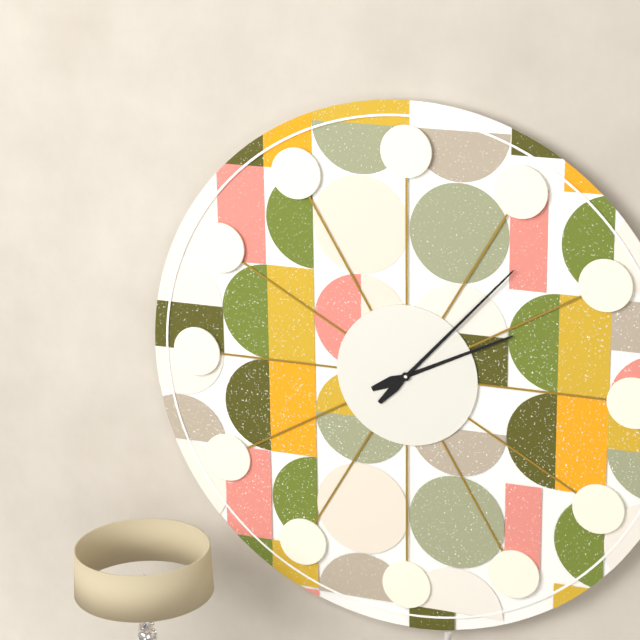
2.07
